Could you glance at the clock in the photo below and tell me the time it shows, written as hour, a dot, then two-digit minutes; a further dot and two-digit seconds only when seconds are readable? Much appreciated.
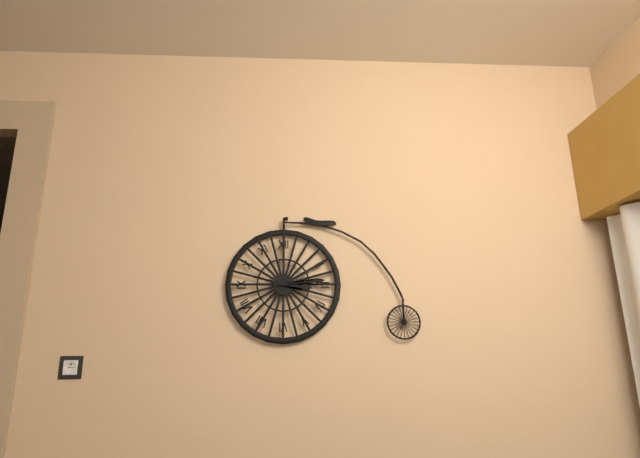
3.14
